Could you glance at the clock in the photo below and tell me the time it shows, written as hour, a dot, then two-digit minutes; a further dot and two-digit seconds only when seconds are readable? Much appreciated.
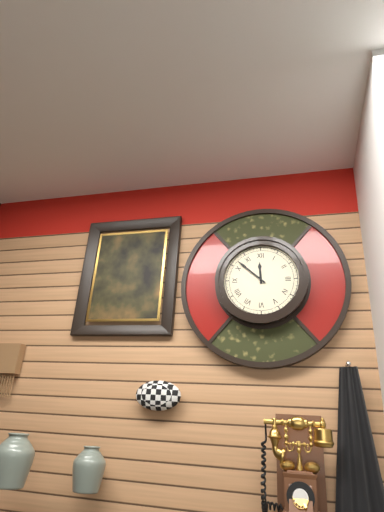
11.52
